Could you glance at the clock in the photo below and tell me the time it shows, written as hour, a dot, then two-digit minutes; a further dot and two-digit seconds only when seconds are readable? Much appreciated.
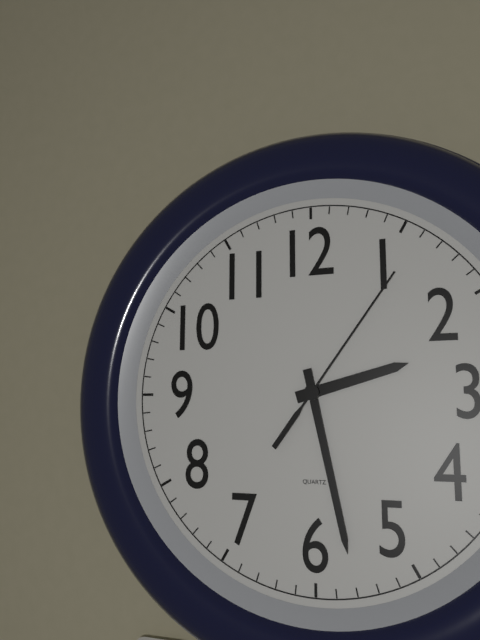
2.28.06
